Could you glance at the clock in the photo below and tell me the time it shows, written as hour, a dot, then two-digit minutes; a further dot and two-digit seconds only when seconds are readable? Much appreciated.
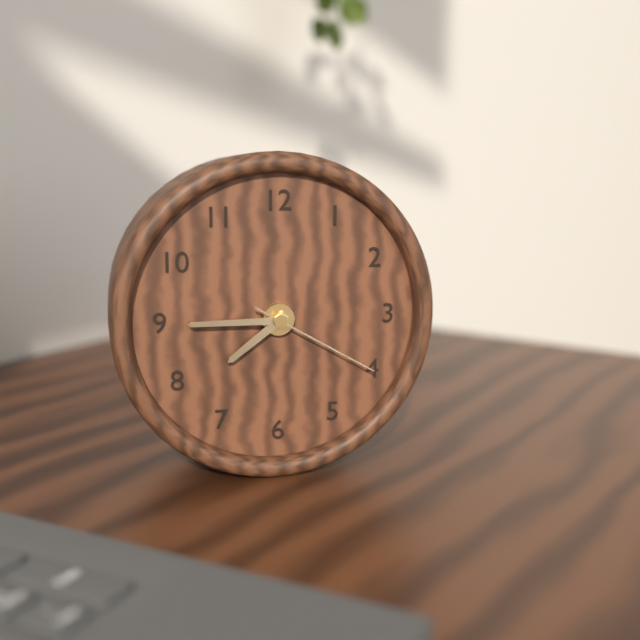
7.45.20
